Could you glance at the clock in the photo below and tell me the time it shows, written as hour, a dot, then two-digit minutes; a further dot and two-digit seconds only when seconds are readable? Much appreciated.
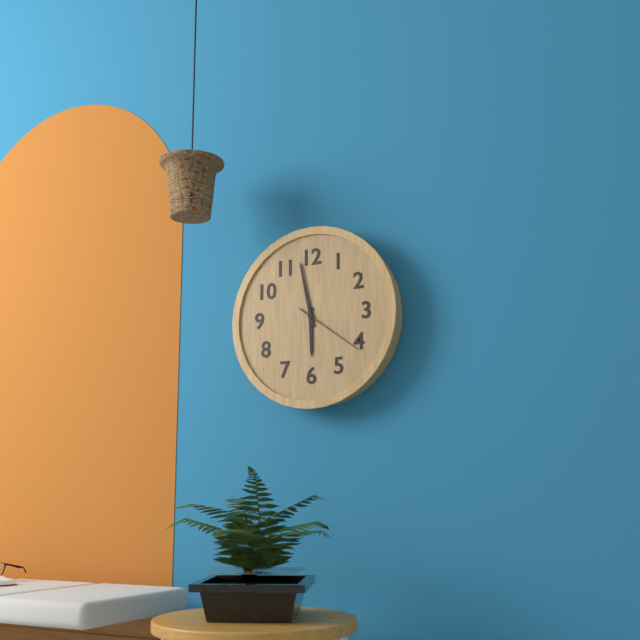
5.58.21
